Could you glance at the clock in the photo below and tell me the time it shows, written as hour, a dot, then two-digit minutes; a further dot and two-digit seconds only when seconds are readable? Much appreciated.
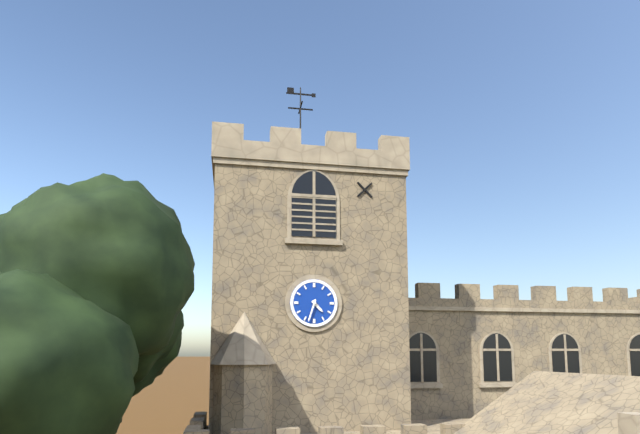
4.33
